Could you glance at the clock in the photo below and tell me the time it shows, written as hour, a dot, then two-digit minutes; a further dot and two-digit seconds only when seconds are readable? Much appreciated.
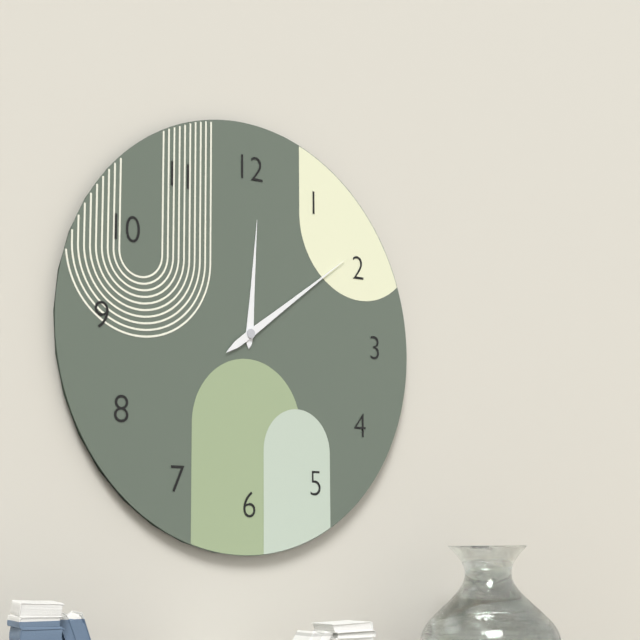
12.09
